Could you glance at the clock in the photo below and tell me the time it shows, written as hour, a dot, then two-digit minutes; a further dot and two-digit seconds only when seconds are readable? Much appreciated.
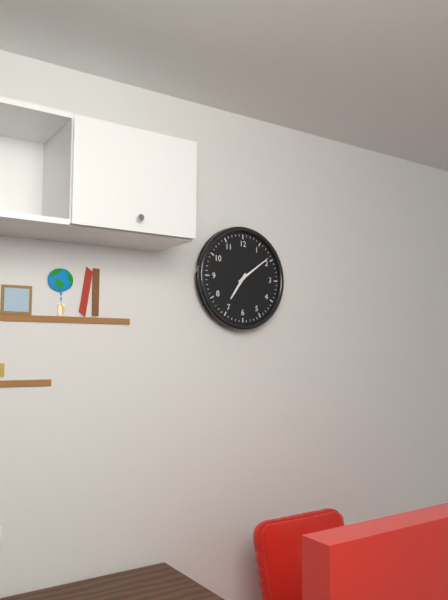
7.09
